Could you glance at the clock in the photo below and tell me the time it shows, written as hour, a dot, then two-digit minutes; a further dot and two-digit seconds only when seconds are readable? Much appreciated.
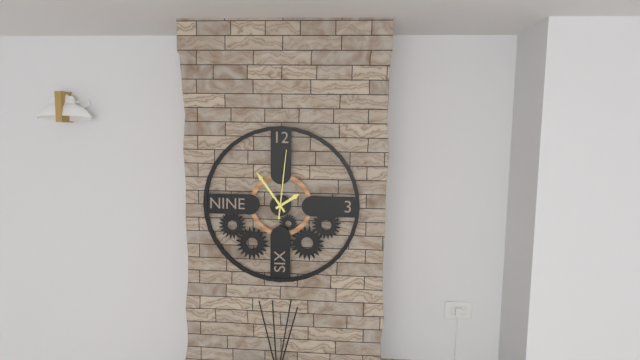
1.54.01
